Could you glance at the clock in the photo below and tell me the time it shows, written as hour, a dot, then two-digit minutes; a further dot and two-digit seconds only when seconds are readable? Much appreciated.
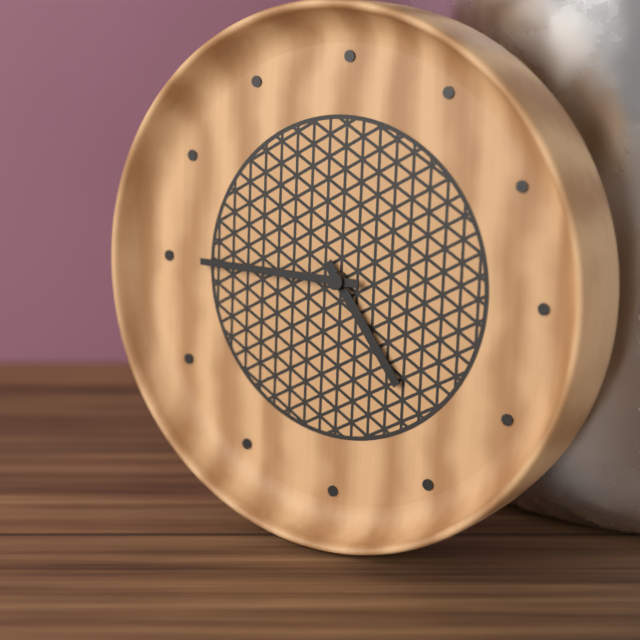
4.45
